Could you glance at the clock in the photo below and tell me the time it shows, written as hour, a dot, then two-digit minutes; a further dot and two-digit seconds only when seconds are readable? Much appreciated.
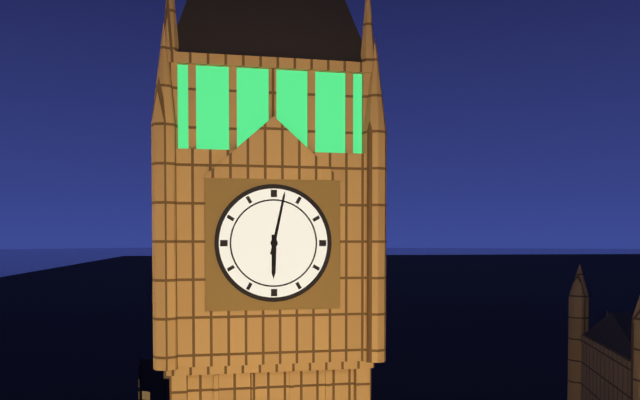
6.02
